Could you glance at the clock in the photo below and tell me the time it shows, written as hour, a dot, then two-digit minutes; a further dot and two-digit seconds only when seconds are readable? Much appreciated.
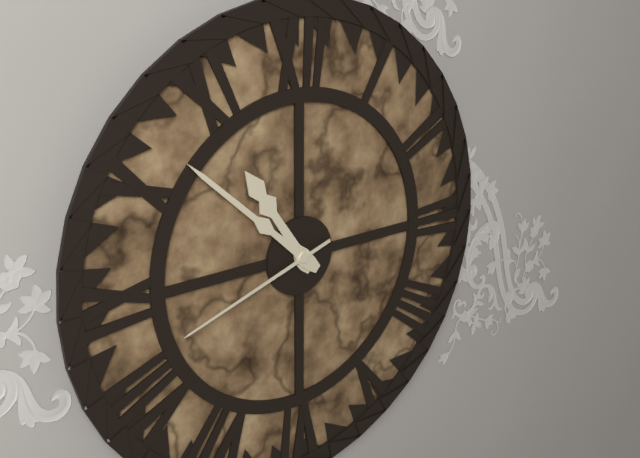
10.52.42
